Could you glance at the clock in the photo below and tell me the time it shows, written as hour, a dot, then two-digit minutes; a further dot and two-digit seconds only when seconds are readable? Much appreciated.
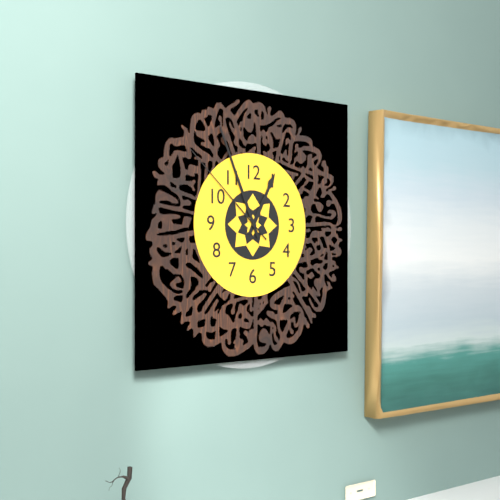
12.56.52
